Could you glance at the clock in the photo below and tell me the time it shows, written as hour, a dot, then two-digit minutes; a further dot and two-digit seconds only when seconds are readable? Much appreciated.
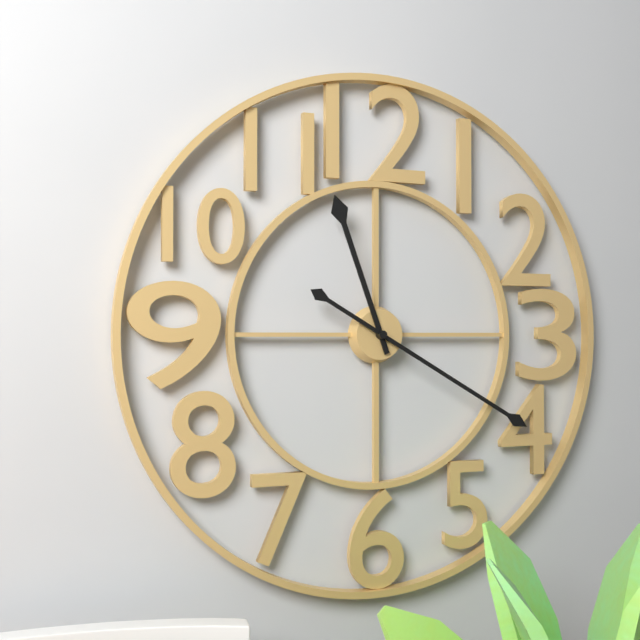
11.20
